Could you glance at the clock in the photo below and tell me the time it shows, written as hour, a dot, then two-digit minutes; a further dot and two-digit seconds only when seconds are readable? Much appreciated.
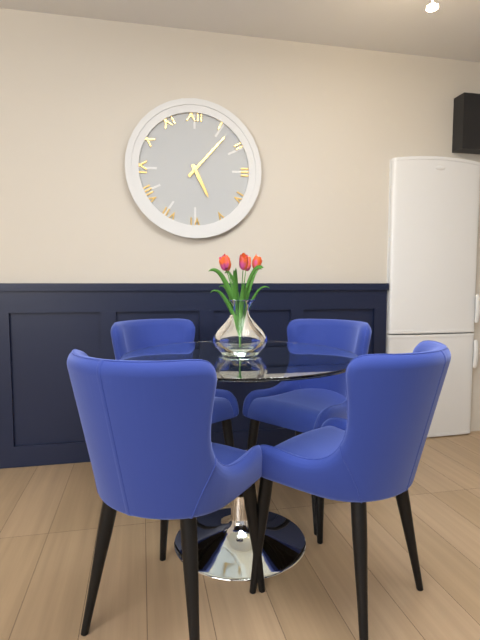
5.07
